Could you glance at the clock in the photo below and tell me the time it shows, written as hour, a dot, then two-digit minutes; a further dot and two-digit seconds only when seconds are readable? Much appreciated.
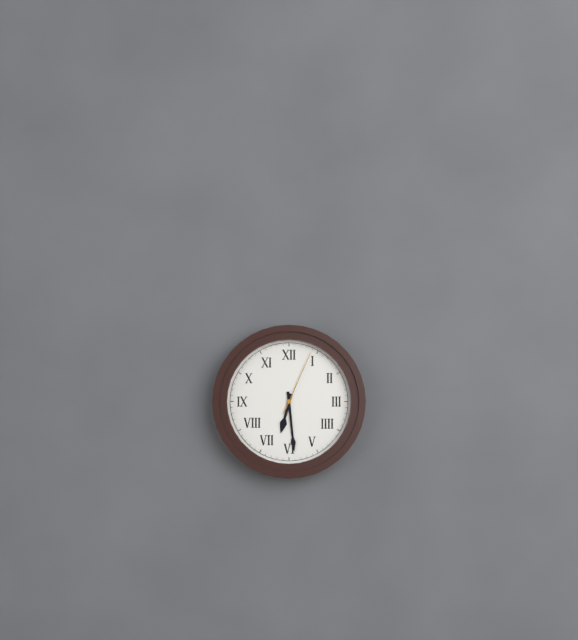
6.29.04
